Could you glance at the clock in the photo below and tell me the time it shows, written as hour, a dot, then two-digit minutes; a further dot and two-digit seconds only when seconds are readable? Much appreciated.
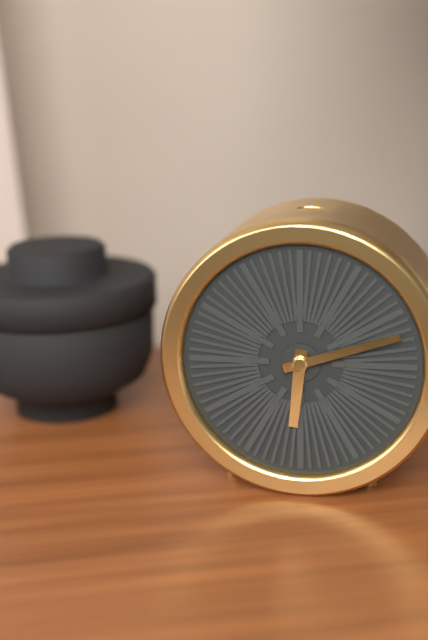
6.12
